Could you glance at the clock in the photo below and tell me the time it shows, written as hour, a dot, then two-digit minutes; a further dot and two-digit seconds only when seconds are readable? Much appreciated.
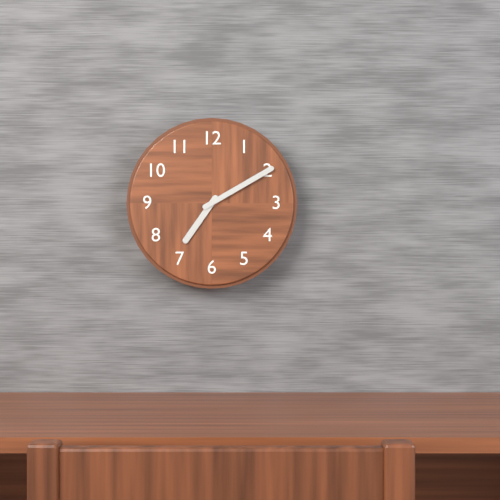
7.10
